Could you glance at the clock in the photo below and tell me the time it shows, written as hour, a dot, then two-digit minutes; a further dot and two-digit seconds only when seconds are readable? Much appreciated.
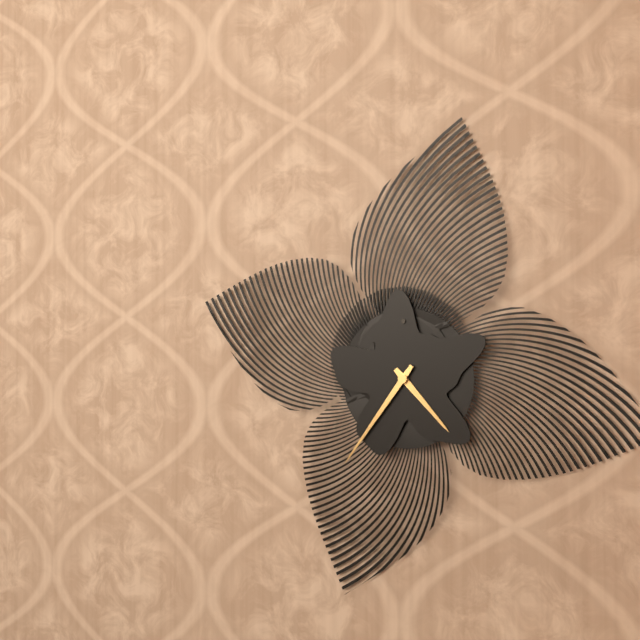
4.36
